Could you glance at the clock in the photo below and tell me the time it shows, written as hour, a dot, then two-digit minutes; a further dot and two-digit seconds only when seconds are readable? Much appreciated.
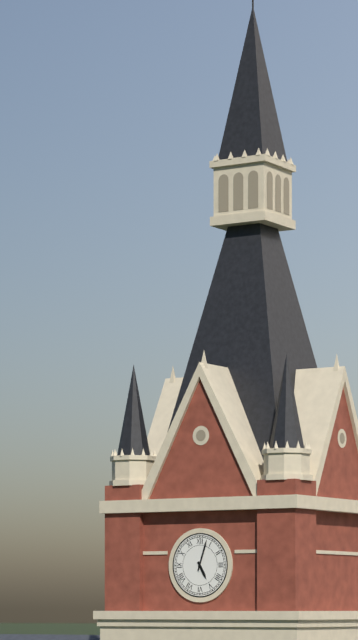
5.03
